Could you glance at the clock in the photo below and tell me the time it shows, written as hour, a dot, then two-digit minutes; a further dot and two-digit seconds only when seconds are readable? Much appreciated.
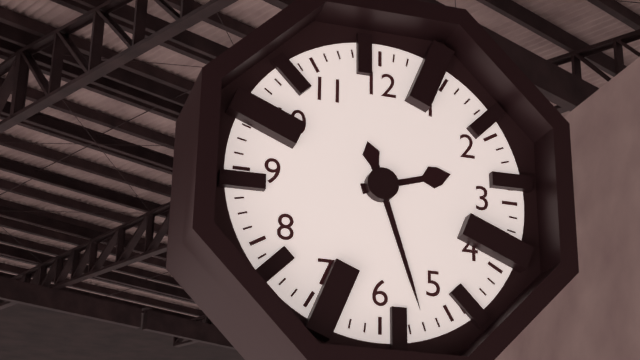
2.27
